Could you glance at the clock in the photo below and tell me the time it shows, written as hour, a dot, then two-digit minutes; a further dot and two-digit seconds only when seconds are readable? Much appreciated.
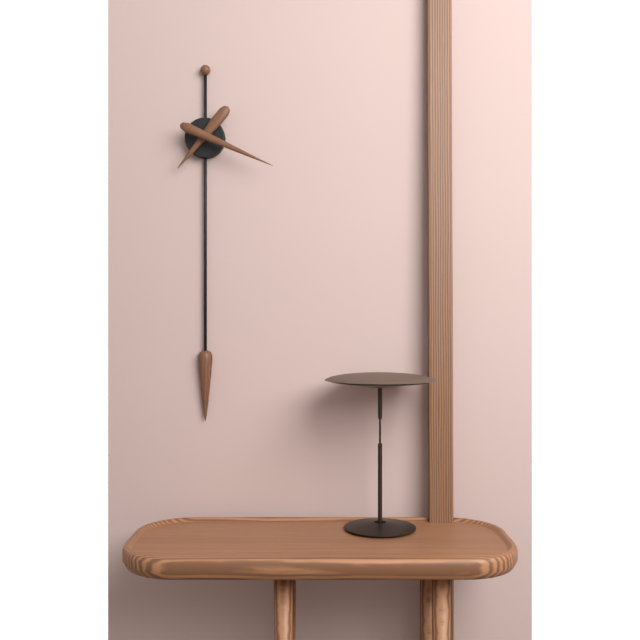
7.19
